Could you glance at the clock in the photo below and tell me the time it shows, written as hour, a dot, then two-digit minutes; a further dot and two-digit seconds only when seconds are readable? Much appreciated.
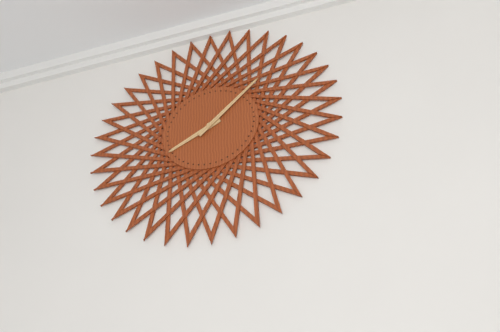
8.08
